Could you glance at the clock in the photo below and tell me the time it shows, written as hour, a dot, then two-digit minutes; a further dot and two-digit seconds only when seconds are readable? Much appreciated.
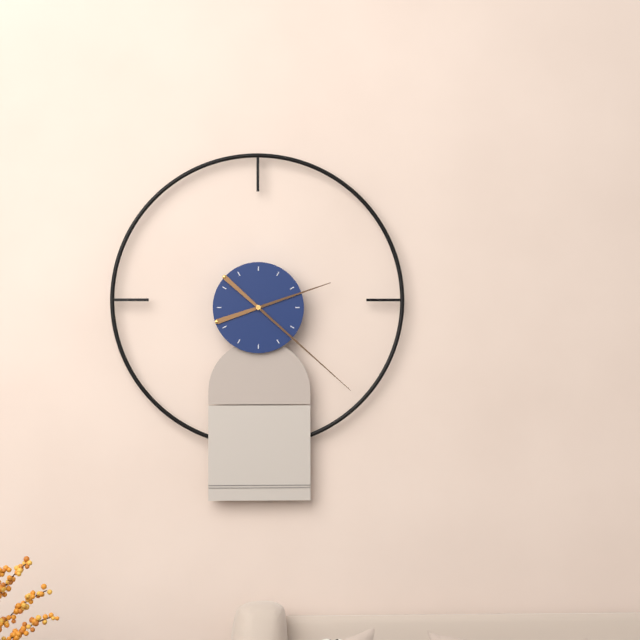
2.22
